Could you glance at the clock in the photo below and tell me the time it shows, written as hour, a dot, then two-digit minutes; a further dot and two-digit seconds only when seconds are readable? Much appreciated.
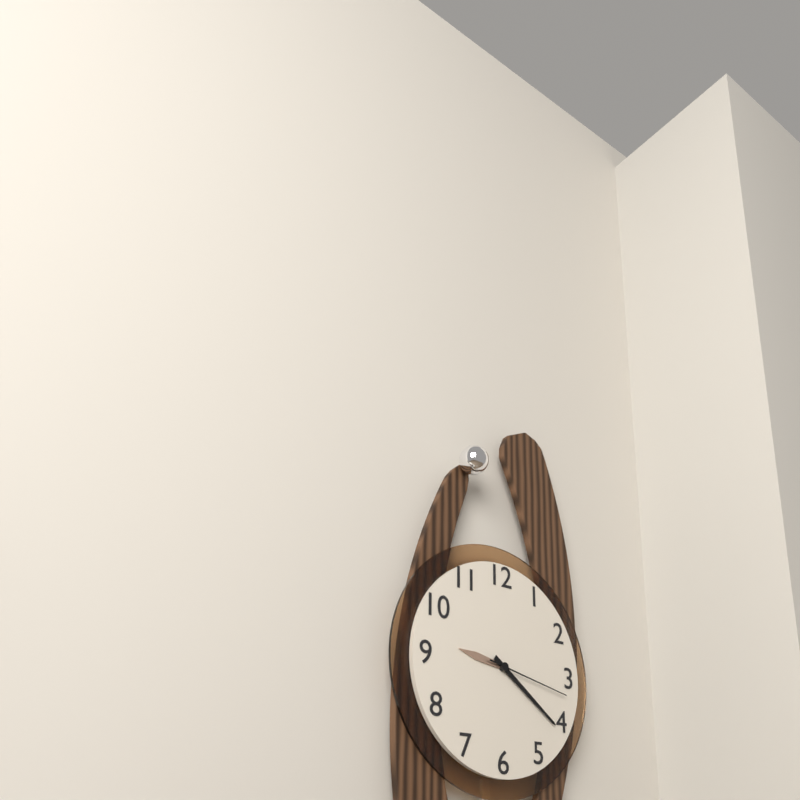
9.21.17
